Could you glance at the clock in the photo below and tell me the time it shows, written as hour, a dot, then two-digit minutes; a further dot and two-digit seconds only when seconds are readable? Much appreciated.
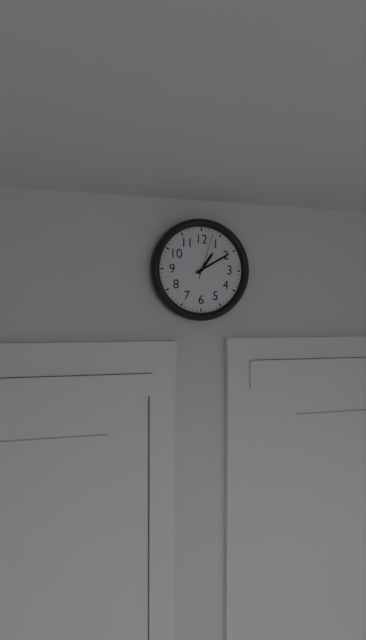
1.10
